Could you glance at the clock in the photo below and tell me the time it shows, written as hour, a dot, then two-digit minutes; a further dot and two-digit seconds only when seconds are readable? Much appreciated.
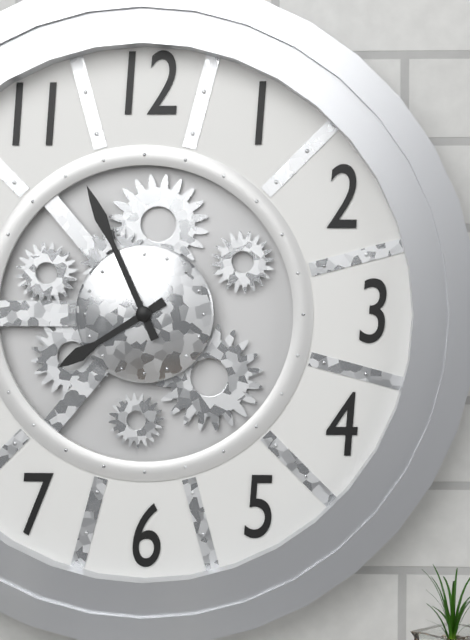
7.56
